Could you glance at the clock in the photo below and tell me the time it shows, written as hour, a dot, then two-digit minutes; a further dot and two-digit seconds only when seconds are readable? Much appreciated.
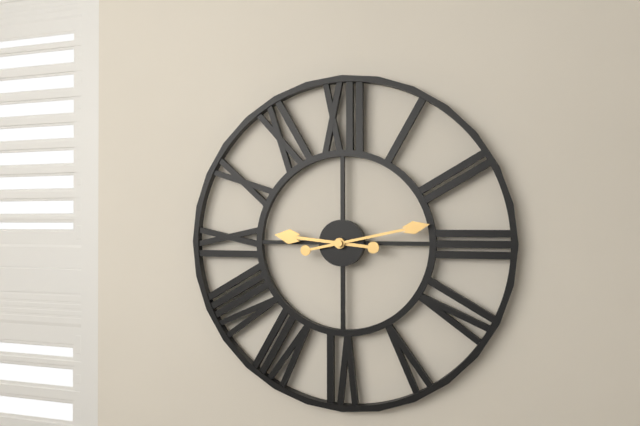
9.13
